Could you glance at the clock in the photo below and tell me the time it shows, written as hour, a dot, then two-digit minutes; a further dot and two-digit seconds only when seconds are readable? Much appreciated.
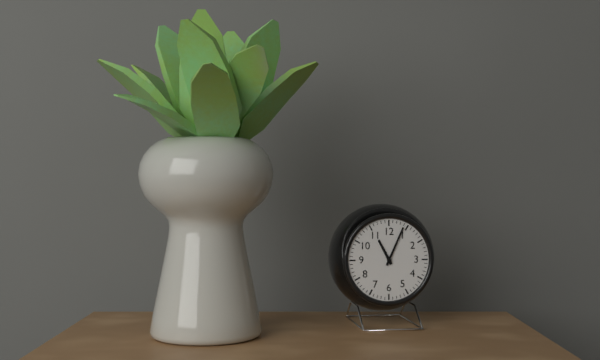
11.04
